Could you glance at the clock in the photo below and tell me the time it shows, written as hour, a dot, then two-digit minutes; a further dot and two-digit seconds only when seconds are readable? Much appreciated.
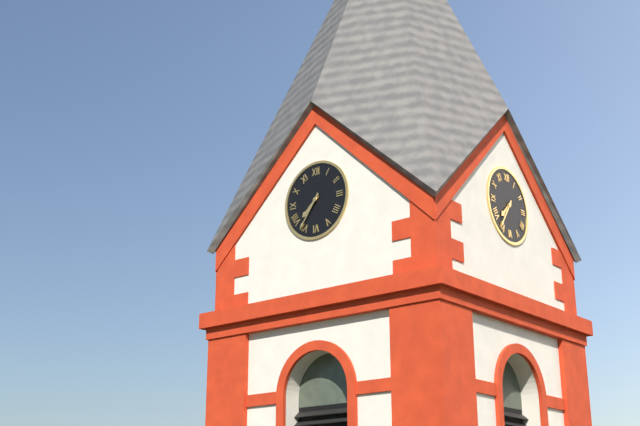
7.36
